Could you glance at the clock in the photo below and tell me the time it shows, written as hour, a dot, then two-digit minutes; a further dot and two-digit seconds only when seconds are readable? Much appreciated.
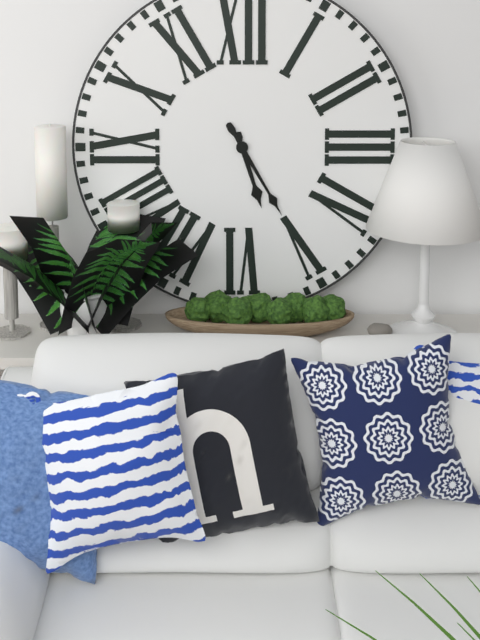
5.25
